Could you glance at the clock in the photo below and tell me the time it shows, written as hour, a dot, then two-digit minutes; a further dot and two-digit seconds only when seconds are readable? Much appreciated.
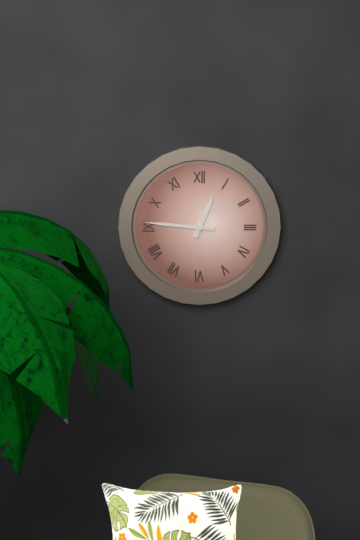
12.46
